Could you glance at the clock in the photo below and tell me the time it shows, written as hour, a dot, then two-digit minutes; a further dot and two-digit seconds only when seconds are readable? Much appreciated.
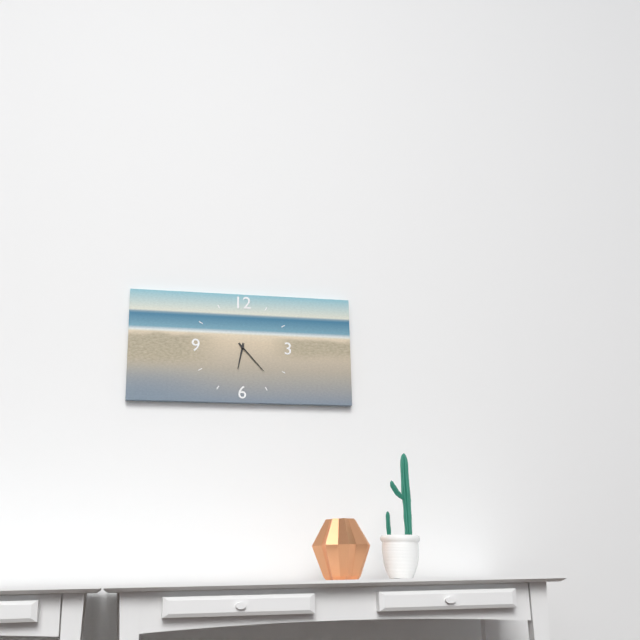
6.23
